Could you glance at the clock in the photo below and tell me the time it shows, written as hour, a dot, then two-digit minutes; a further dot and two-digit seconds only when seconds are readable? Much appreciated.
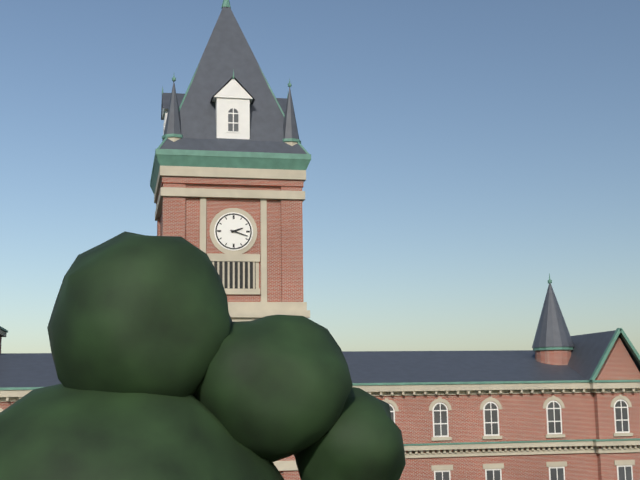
2.18
